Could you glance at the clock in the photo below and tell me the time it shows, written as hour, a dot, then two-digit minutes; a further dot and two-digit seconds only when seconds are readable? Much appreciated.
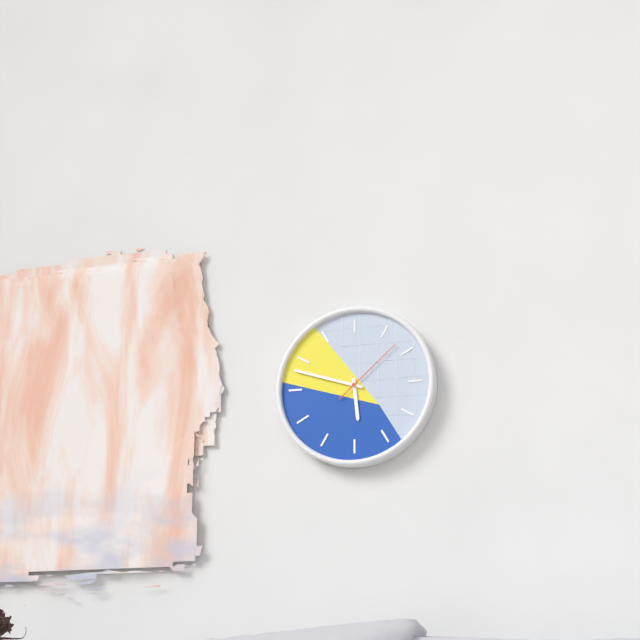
5.48.08
